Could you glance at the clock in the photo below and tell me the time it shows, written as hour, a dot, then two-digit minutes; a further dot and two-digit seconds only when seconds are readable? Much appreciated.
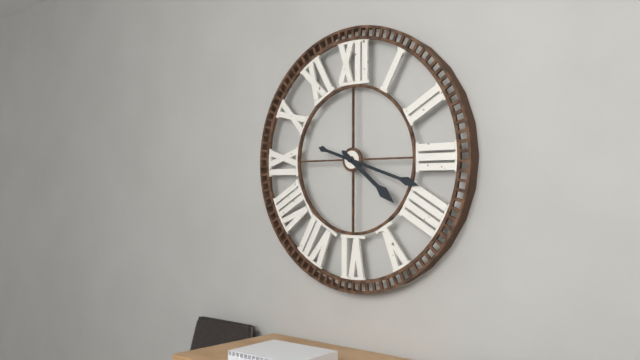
4.18
